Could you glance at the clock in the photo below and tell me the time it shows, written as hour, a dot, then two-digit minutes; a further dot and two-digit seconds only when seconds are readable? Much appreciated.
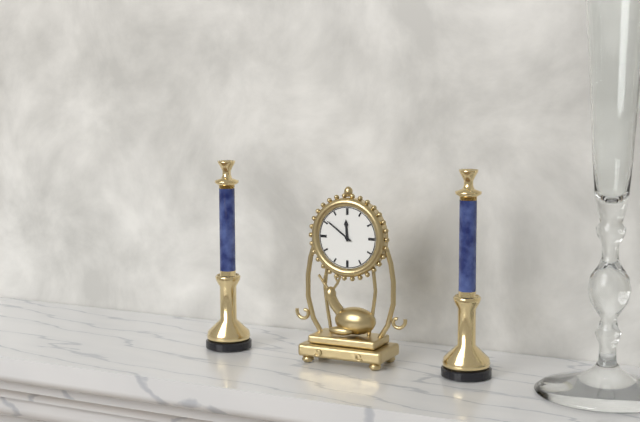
11.51
